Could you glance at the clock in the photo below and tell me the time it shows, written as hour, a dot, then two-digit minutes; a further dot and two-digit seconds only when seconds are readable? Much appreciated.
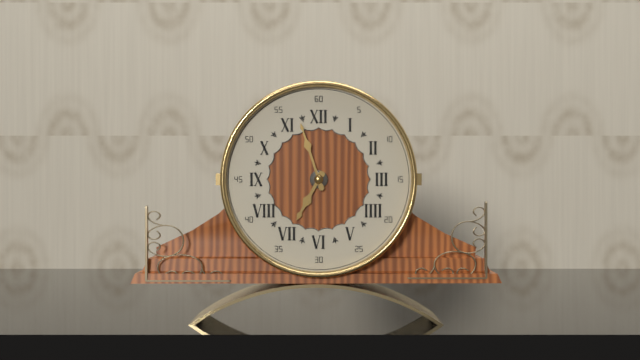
6.57
